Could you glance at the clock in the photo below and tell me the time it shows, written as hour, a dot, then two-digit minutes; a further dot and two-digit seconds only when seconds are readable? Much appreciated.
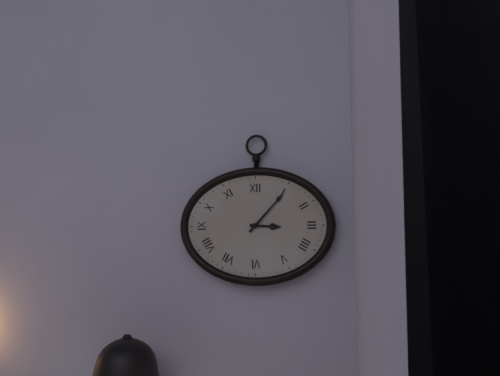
3.07
